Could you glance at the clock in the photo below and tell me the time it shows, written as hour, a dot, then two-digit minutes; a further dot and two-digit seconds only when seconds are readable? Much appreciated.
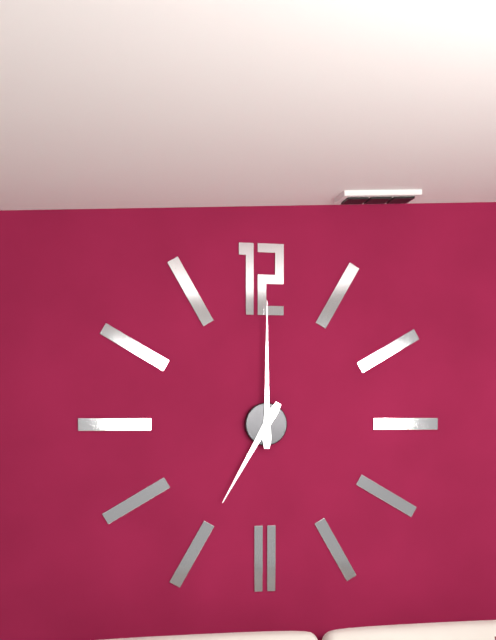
7.00
